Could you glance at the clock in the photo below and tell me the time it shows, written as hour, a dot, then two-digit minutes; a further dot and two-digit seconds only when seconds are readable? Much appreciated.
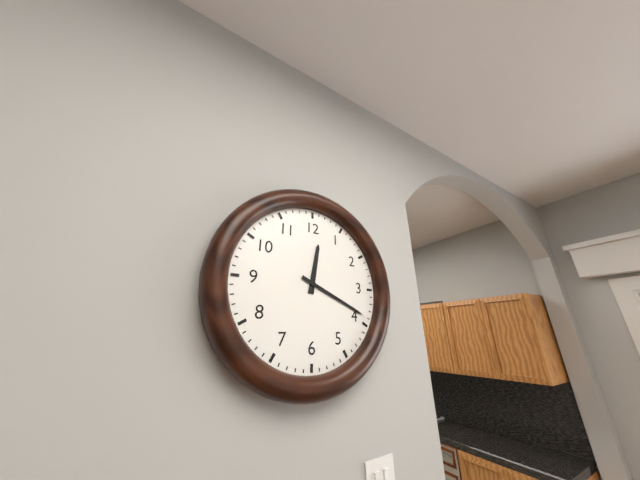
12.19
